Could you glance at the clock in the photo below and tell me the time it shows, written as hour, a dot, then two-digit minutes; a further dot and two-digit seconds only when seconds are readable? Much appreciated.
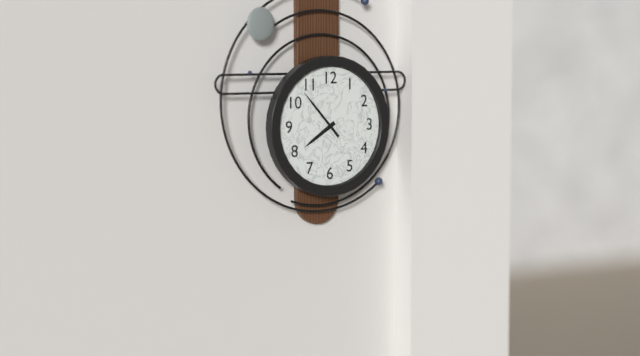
7.53
